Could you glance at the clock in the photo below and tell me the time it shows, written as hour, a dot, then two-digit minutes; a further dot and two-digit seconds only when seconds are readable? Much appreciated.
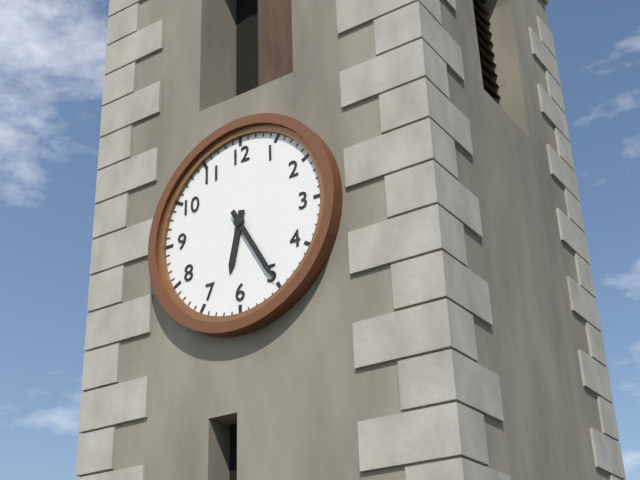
6.25
